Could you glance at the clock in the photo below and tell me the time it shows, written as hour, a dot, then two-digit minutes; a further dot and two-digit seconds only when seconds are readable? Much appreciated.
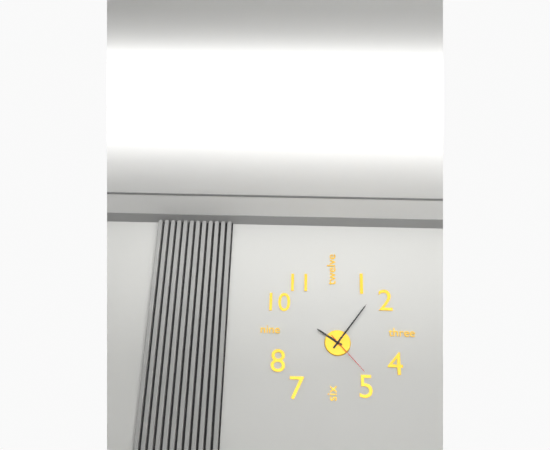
10.06.23
